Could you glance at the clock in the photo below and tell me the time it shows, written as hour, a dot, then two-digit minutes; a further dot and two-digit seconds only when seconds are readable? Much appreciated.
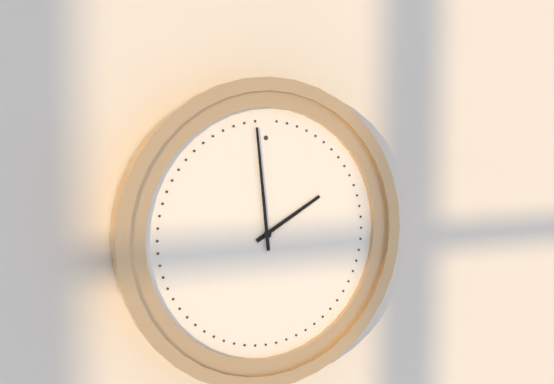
1.59
